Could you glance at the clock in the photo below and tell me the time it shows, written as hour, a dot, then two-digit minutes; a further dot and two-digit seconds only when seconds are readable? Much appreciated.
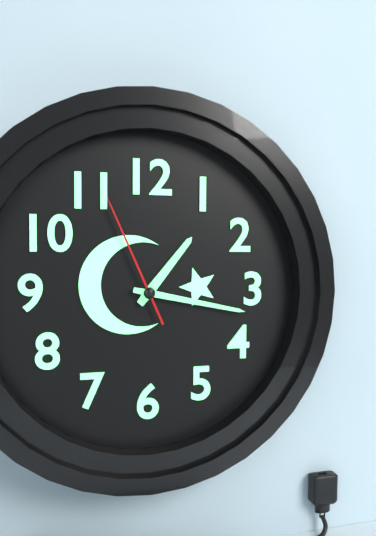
1.17.56
